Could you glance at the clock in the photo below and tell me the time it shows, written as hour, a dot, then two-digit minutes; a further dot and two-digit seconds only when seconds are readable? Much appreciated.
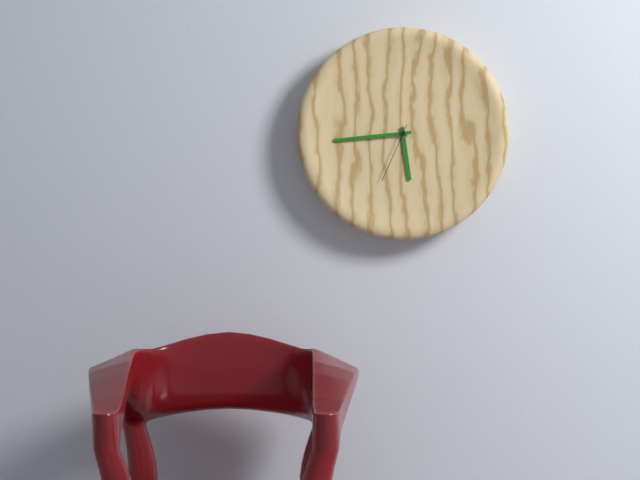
5.44.34
